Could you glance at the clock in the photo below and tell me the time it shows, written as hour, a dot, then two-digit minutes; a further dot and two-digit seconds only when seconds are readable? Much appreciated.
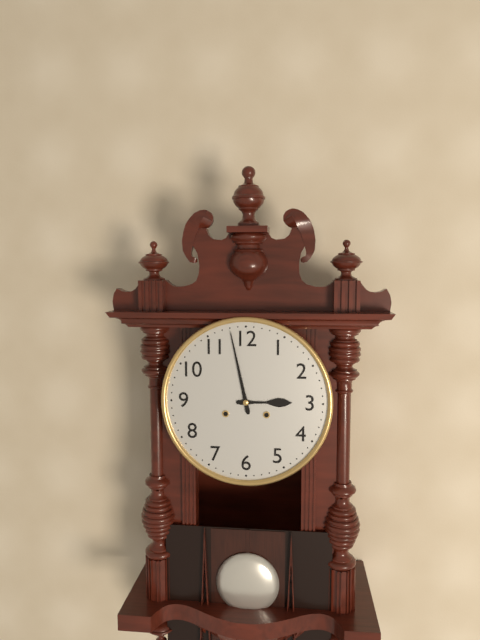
2.58
